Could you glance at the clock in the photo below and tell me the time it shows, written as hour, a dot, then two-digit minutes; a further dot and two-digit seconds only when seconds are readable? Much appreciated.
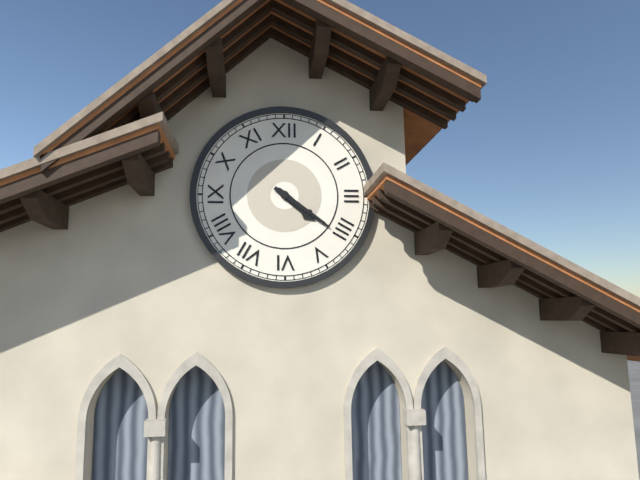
4.21
